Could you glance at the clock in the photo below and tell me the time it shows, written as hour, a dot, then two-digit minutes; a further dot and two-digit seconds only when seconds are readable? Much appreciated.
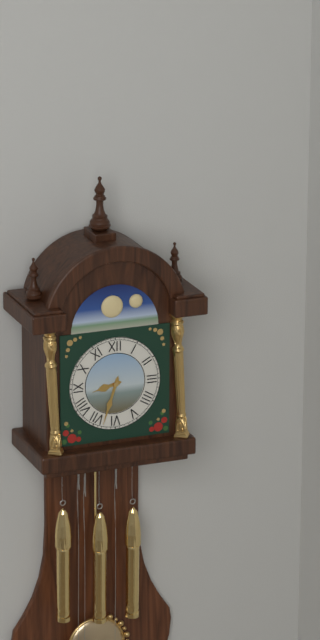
8.33
